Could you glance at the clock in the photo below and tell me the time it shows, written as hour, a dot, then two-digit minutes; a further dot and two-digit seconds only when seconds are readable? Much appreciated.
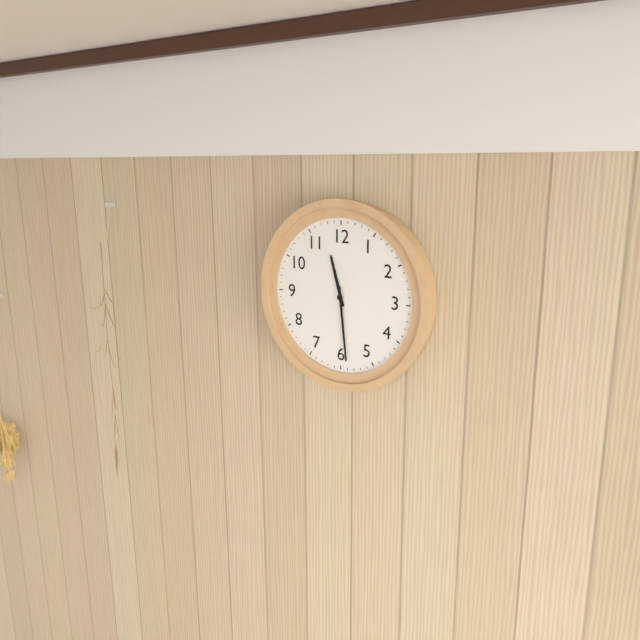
11.29
